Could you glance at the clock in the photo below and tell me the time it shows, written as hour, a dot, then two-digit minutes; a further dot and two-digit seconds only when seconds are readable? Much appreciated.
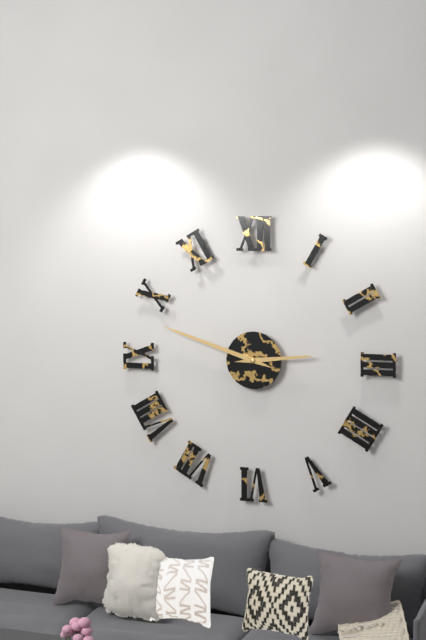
2.48
